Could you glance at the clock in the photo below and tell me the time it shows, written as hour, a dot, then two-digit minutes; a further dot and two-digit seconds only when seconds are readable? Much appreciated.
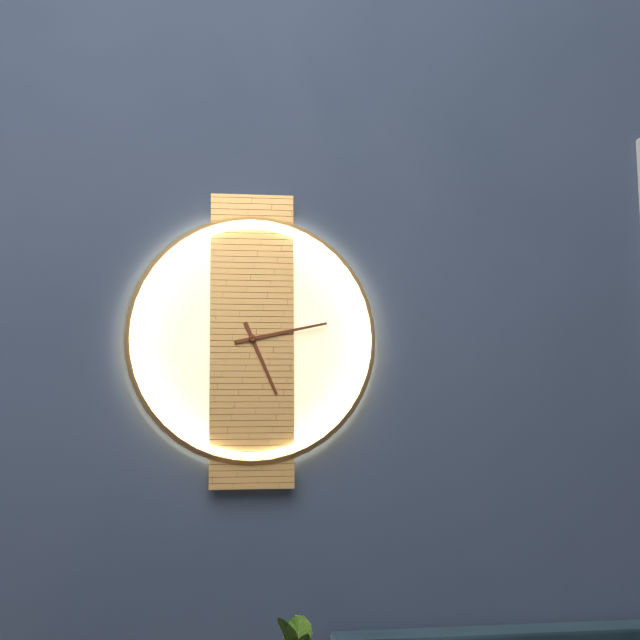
5.13
